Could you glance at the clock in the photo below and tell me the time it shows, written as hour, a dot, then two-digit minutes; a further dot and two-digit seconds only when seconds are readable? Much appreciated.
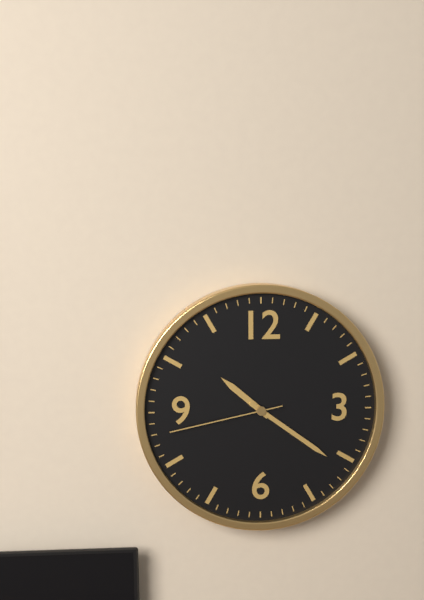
10.21.43
